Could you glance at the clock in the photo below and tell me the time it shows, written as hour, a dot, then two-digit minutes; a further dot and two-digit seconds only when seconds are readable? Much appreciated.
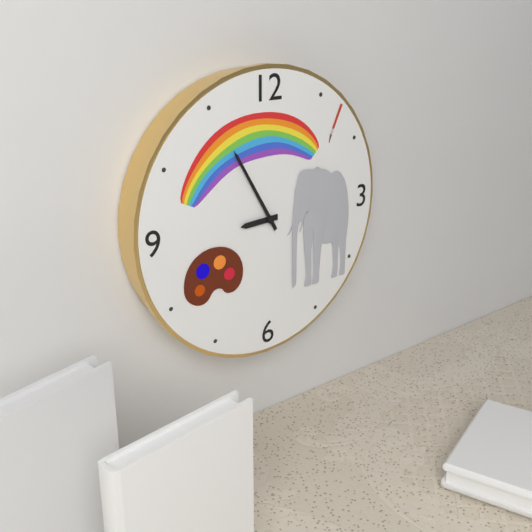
8.55
